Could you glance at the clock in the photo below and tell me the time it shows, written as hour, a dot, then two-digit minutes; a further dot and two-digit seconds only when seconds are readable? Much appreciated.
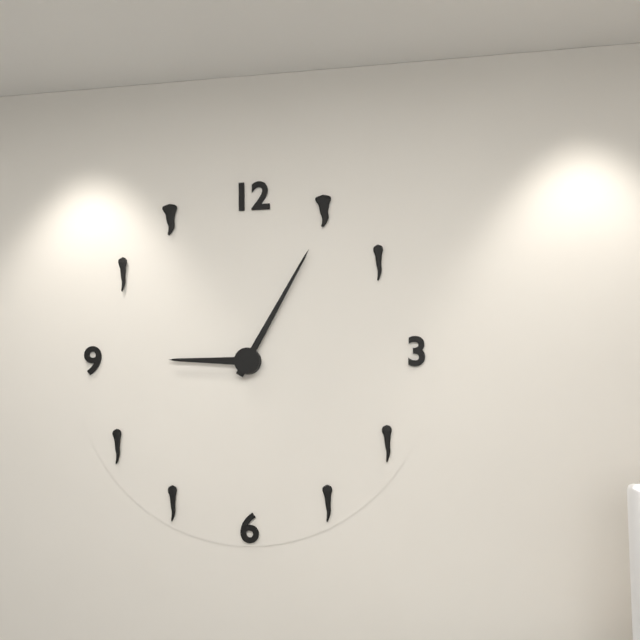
9.05
